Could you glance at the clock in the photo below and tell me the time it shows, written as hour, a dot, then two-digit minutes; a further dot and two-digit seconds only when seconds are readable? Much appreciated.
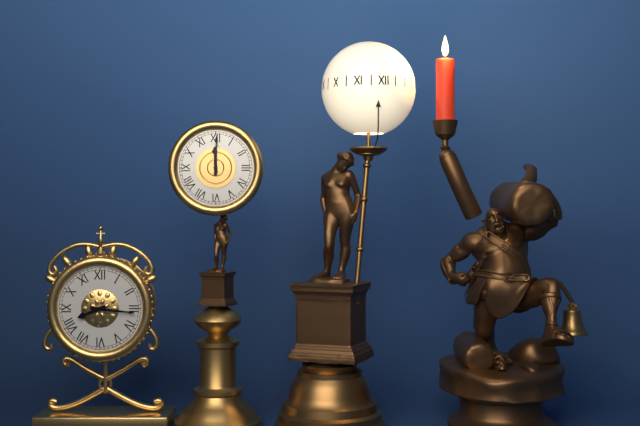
8.16
